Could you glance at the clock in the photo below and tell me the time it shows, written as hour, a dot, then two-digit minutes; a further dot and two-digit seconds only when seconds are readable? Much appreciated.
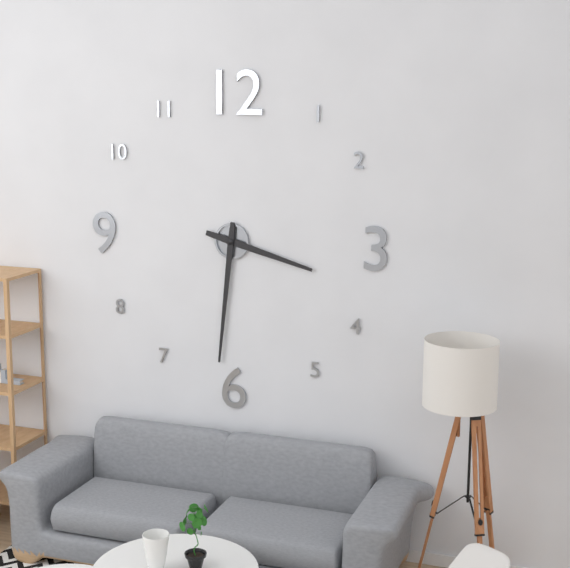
3.31
